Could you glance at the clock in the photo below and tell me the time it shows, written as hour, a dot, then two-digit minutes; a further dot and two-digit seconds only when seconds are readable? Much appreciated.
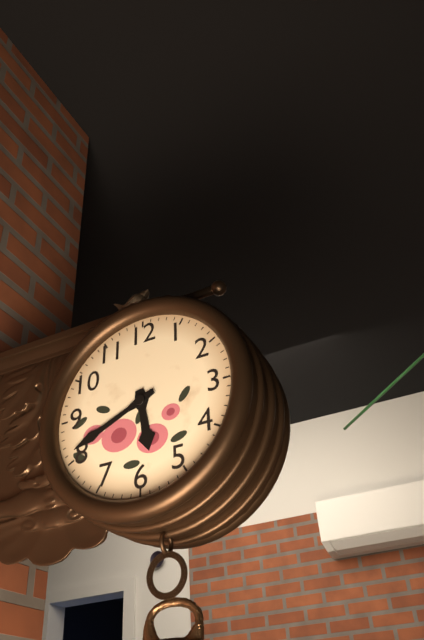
5.41
